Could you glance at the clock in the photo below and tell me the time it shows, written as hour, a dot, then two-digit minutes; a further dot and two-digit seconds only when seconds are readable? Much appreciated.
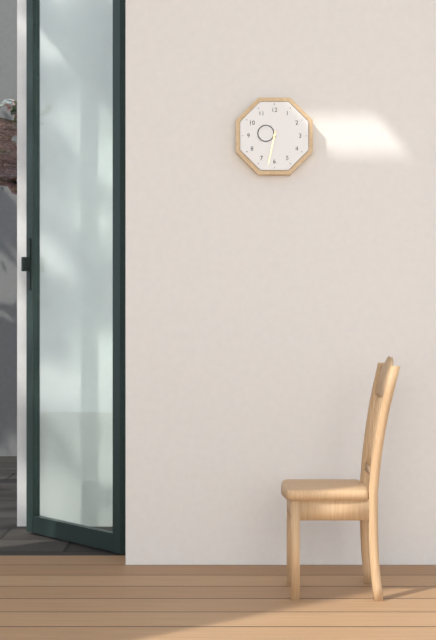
9.32
